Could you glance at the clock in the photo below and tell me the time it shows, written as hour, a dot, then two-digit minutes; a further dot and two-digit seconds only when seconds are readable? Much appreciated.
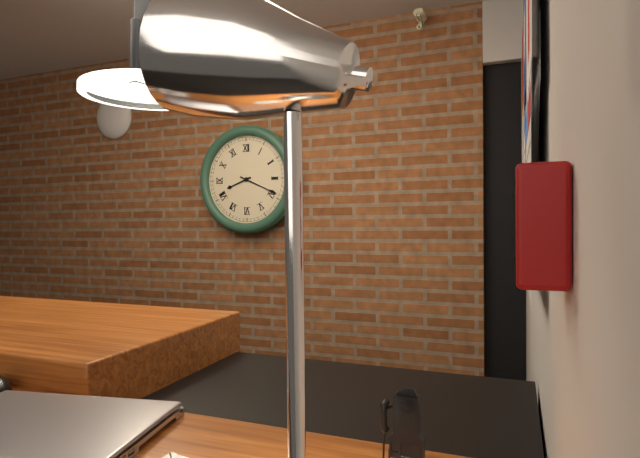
8.19
